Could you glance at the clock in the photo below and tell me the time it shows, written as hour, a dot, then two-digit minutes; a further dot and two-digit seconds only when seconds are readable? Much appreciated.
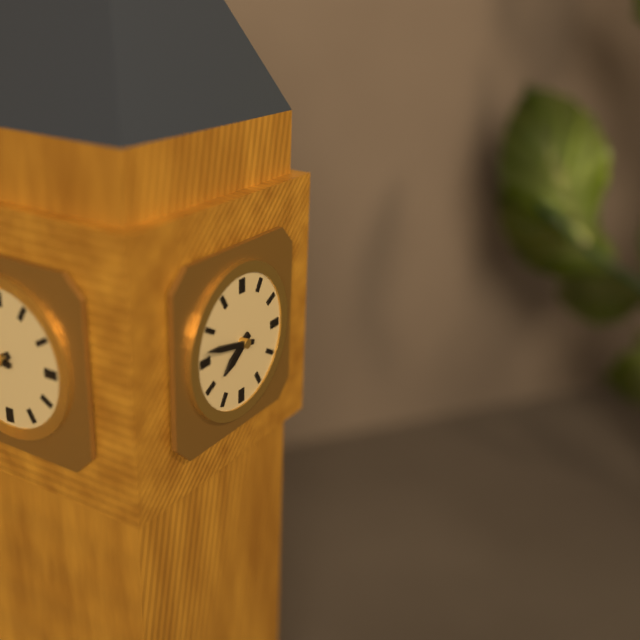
7.47
